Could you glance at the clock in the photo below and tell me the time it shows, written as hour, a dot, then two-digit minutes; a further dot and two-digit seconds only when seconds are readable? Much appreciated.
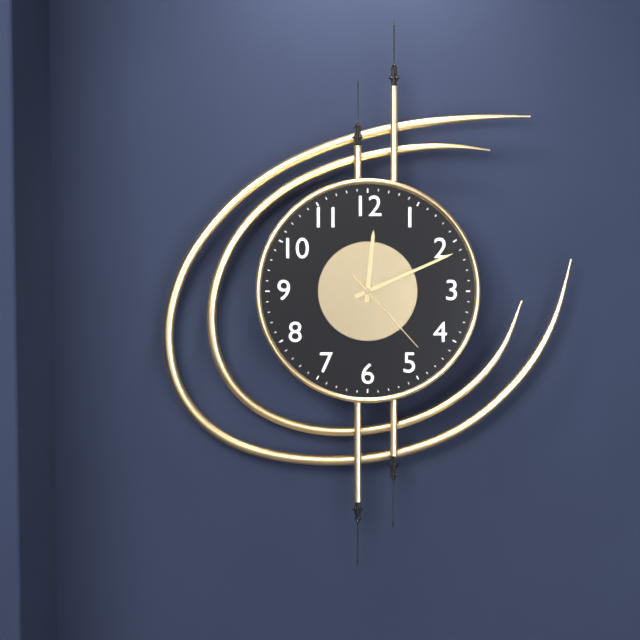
12.11.23
